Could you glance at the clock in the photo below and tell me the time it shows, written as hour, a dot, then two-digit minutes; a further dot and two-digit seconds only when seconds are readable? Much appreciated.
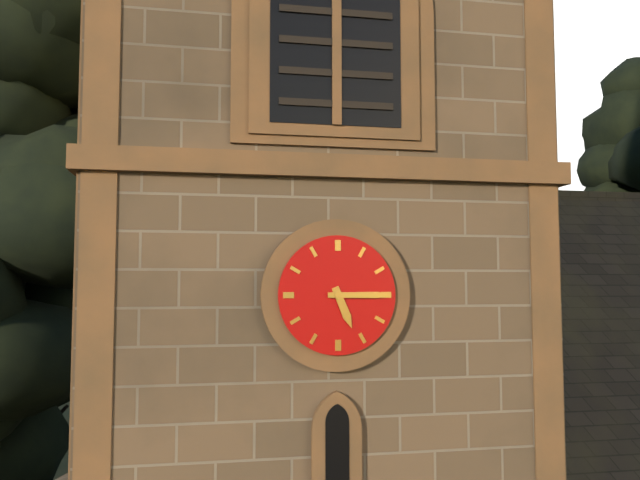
5.15
